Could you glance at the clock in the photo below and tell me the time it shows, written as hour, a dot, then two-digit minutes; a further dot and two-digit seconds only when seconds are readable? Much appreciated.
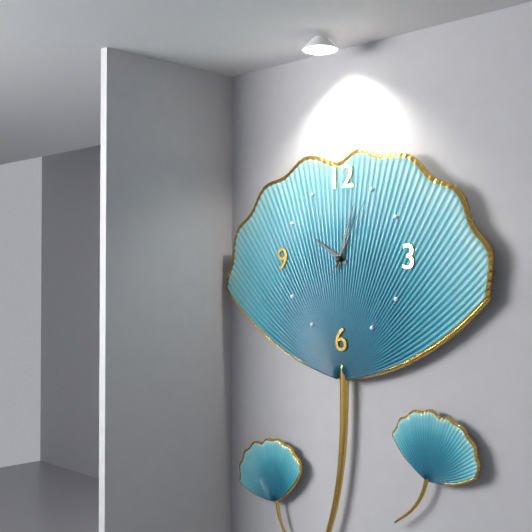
10.03.05
